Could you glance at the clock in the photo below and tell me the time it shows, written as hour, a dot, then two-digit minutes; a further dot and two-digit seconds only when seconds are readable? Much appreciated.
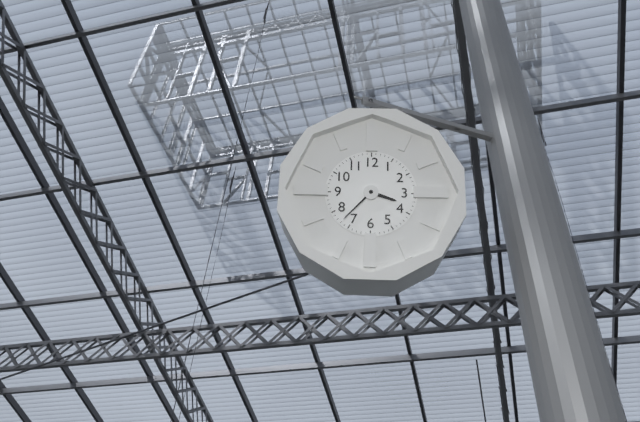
3.37
